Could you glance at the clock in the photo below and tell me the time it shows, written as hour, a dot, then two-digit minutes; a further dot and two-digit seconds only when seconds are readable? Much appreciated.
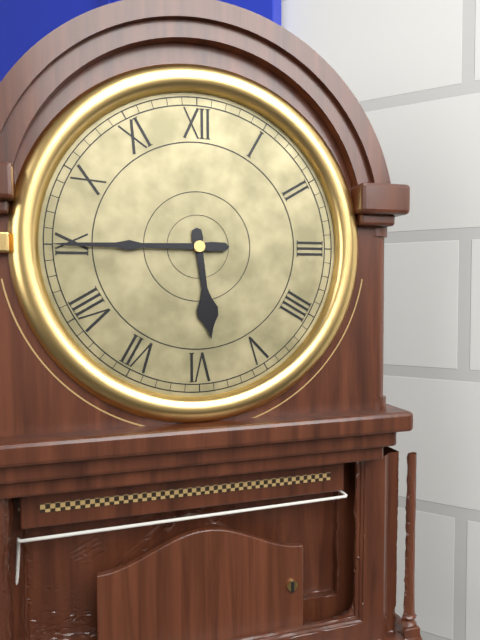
5.45
